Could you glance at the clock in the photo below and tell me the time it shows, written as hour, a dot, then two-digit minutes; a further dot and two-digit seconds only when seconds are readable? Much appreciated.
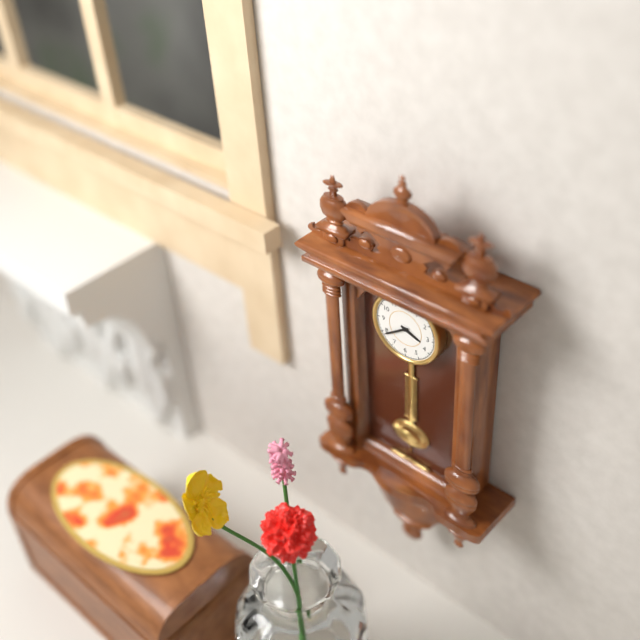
3.39
